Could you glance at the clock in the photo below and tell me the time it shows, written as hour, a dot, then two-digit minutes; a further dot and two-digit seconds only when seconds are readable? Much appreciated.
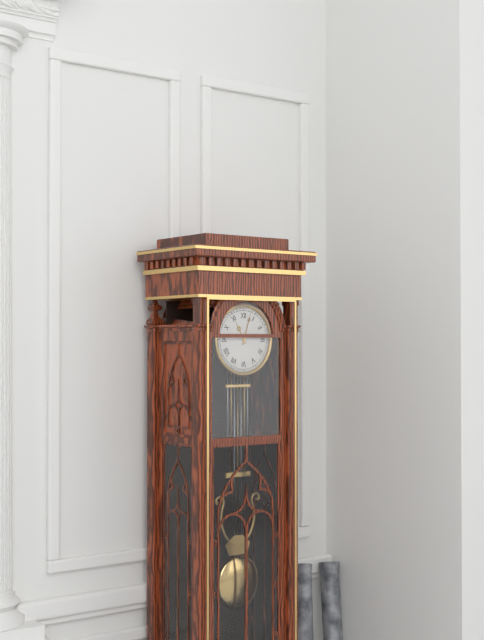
11.03
